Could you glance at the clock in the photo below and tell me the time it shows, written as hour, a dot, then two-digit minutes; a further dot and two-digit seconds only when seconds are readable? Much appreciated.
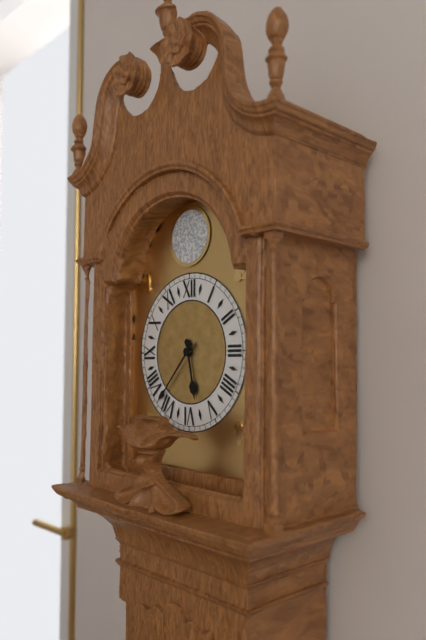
5.37
